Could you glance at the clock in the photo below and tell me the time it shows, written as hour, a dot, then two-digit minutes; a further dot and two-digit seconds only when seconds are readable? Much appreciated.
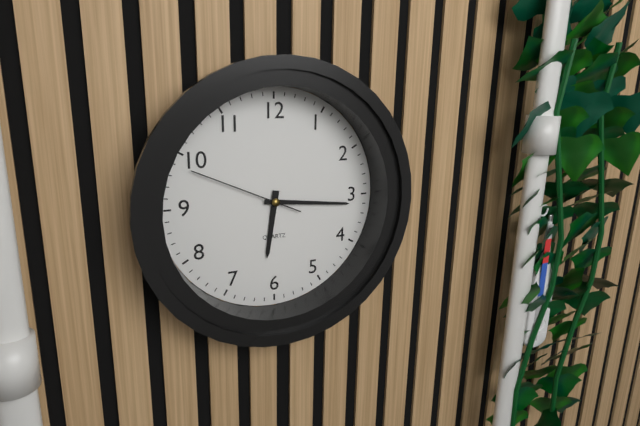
6.16.49
